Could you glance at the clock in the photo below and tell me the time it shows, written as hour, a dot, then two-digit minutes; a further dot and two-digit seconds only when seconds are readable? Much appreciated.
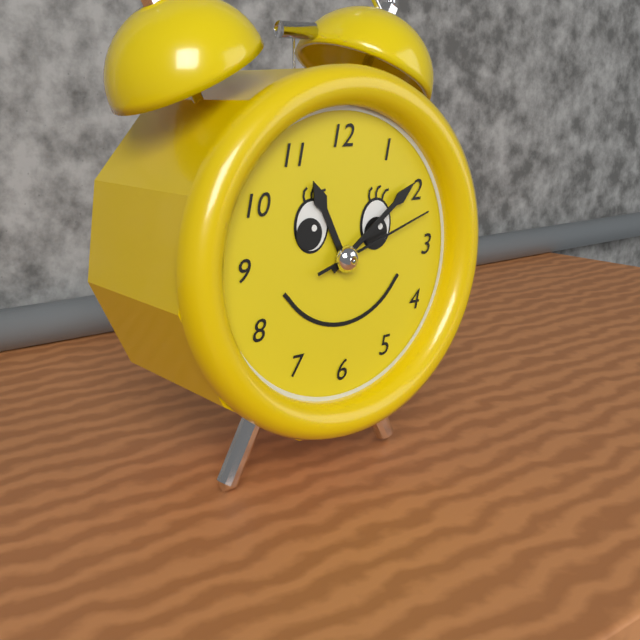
11.09.12
